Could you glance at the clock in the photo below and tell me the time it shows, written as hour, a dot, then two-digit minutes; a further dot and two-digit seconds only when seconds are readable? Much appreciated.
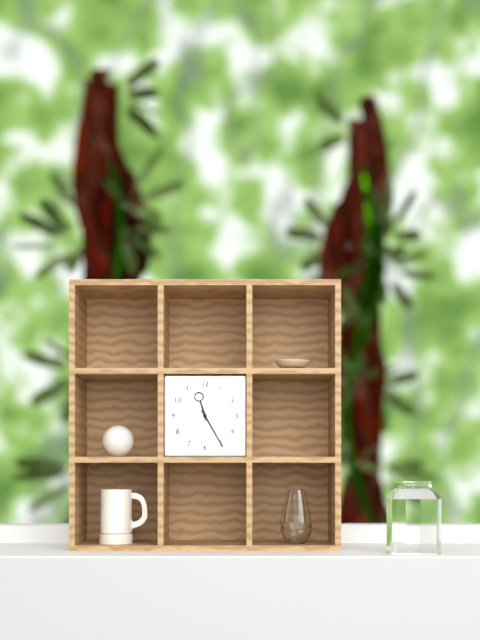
11.25
